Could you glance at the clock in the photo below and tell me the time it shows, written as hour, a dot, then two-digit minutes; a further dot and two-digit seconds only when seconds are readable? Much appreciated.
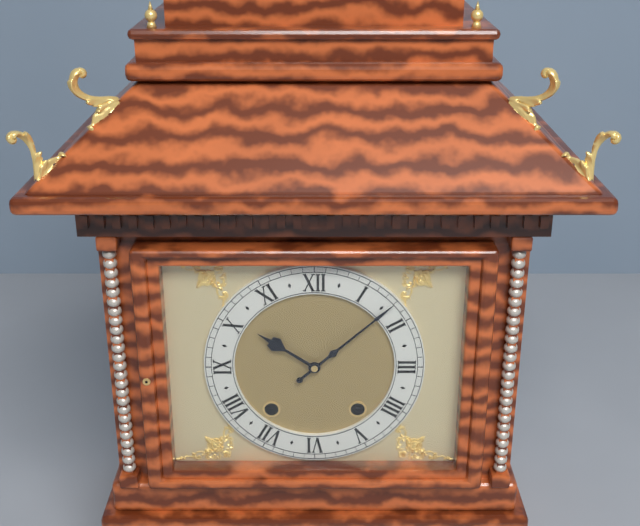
10.08
